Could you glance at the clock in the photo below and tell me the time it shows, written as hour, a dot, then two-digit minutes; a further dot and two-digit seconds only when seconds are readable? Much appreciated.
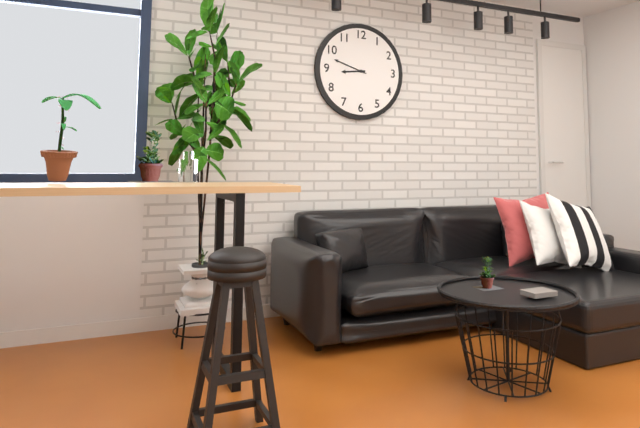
8.48
